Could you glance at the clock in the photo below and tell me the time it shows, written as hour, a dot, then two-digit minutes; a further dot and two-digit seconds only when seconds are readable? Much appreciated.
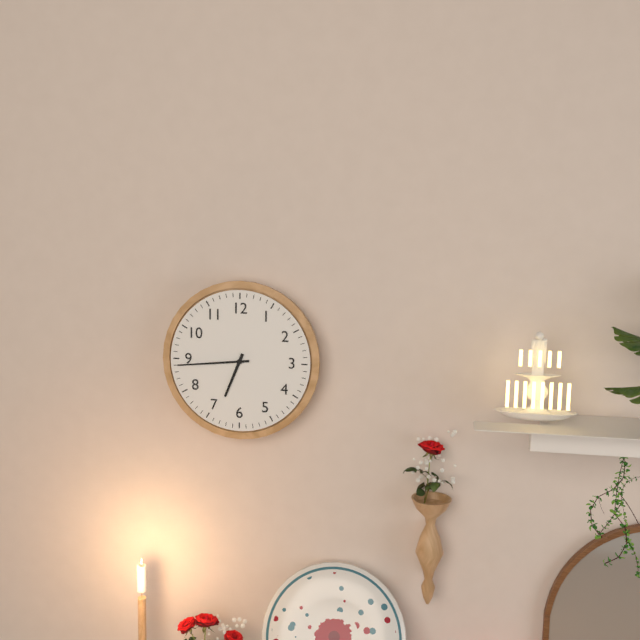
6.44
